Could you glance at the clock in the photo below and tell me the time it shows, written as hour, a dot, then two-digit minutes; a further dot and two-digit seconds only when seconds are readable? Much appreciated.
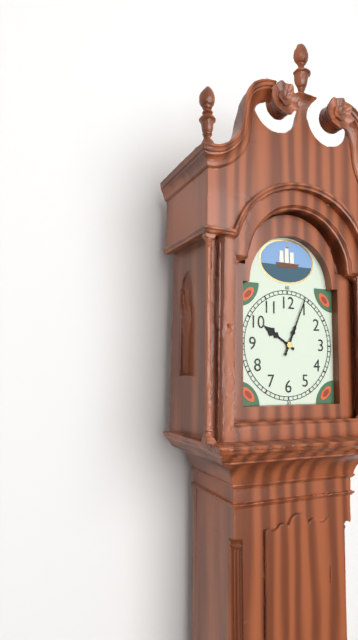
10.04
